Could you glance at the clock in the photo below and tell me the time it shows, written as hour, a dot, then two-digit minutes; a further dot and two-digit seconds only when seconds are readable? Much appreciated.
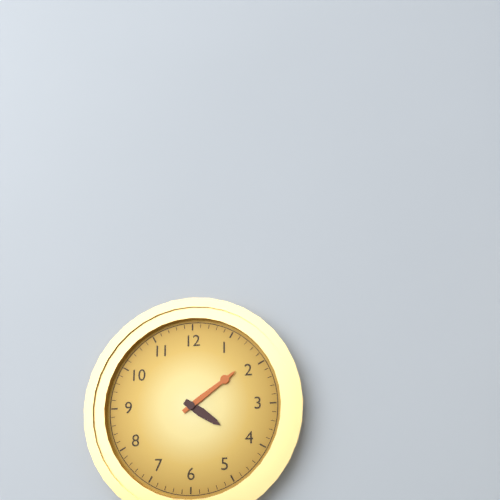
4.09
